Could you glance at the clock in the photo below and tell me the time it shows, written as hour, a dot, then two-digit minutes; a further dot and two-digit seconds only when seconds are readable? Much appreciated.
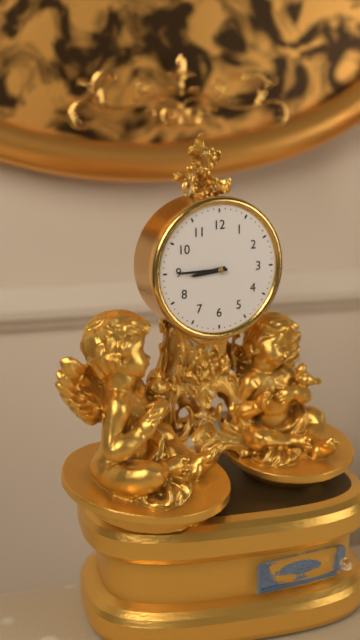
8.45
